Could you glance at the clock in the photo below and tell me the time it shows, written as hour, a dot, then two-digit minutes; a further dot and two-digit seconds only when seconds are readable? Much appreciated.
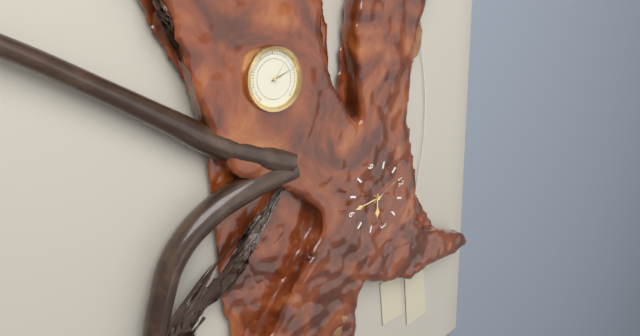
3.31
